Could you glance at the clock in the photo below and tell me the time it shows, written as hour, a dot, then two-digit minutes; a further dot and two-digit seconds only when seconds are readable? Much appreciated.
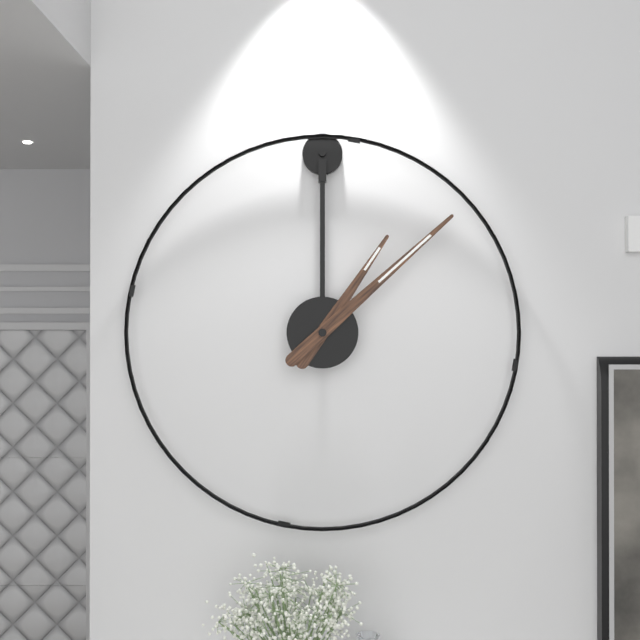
1.08
